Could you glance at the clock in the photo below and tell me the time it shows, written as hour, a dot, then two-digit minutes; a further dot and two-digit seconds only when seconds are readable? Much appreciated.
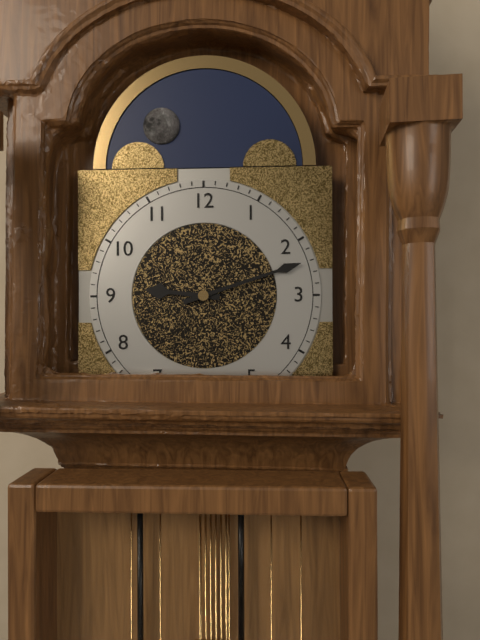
9.12
